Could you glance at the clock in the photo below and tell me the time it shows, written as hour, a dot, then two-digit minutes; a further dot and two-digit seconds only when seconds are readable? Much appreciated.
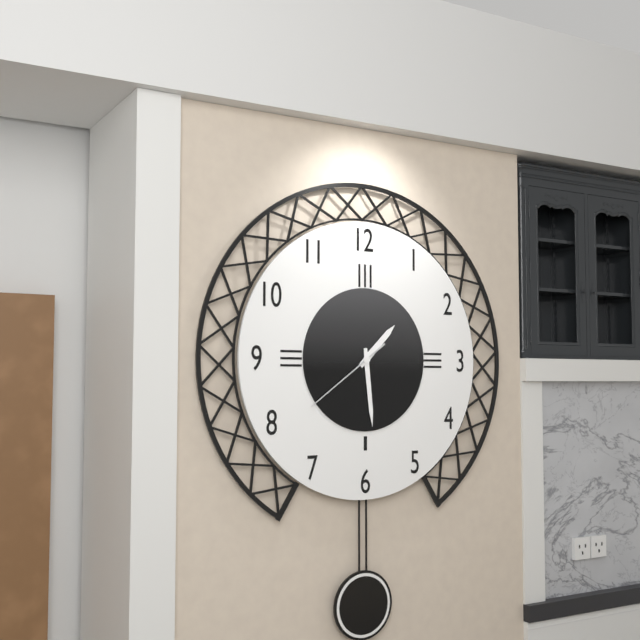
1.29.39
